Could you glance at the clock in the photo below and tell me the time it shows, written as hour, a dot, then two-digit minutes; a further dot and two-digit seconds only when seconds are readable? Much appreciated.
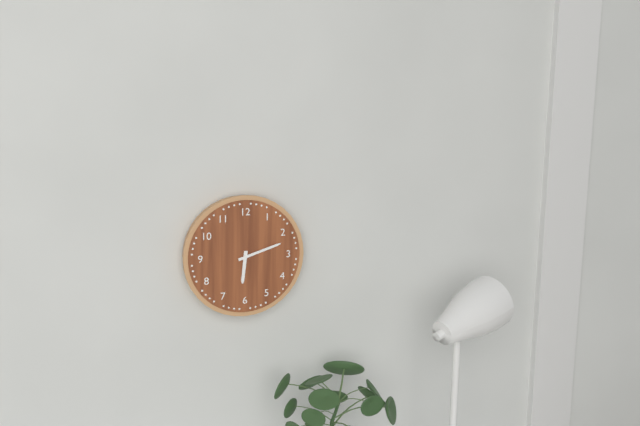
6.12
